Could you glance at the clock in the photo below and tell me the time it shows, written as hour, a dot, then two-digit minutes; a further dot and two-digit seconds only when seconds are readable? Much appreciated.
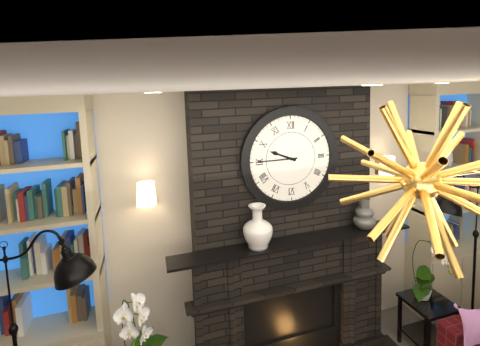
9.45
